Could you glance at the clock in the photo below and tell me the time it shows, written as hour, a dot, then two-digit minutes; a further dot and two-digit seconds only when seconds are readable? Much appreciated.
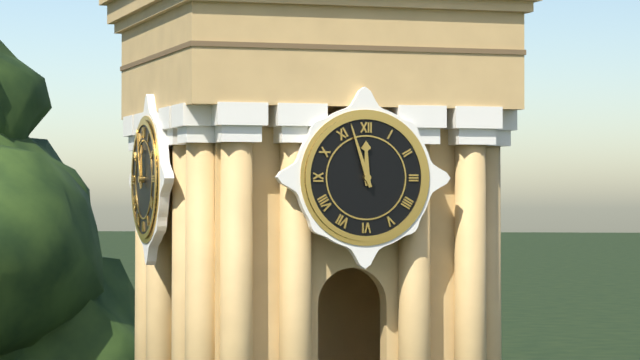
11.57
